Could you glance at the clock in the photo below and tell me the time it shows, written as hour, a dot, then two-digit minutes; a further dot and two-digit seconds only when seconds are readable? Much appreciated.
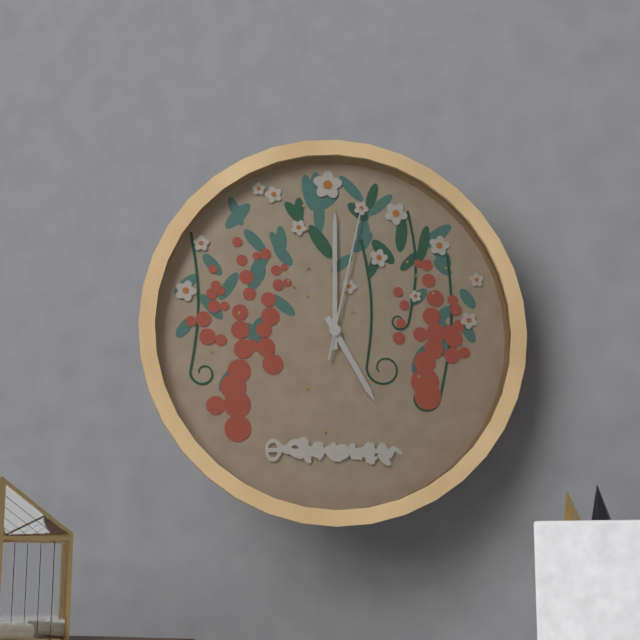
5.00.02
